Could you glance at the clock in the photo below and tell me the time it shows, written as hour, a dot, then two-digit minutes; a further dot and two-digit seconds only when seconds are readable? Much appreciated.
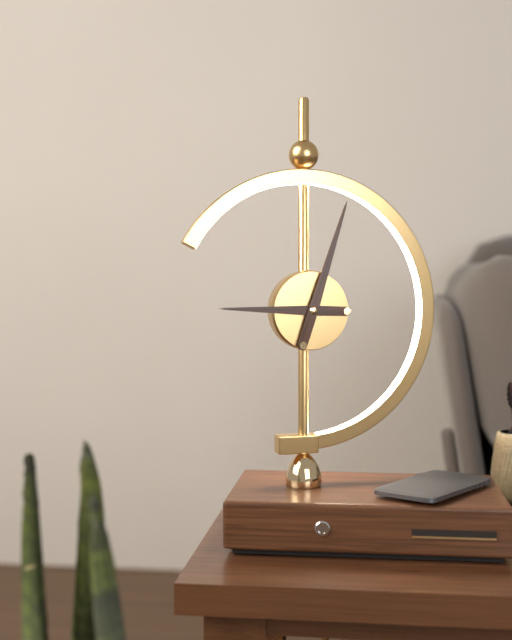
9.03
